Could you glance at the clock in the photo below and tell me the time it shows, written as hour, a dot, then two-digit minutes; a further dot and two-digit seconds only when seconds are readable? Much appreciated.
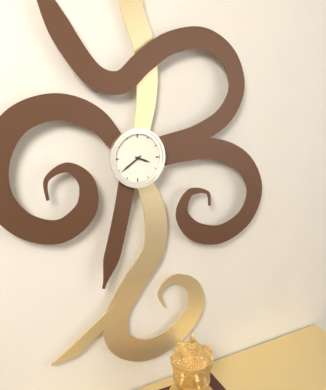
3.39
